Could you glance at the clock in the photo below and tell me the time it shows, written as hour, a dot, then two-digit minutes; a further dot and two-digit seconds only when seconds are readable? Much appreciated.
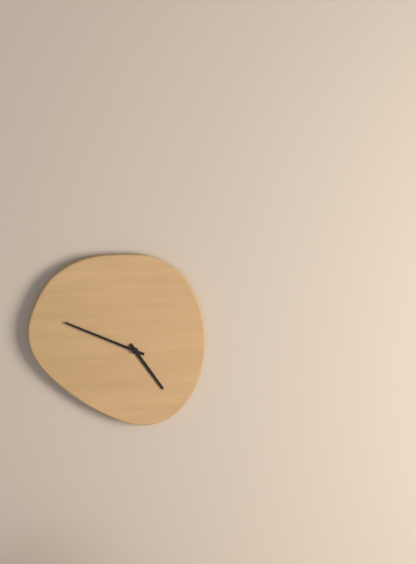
4.49
